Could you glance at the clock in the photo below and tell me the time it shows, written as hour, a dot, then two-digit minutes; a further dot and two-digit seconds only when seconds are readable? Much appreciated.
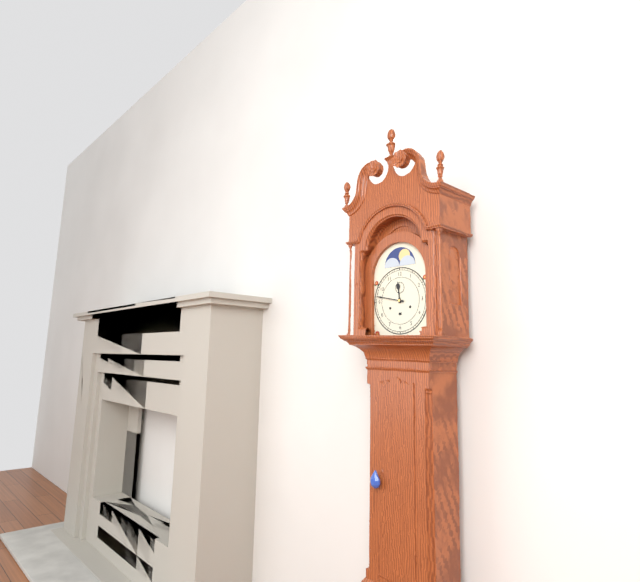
11.47
